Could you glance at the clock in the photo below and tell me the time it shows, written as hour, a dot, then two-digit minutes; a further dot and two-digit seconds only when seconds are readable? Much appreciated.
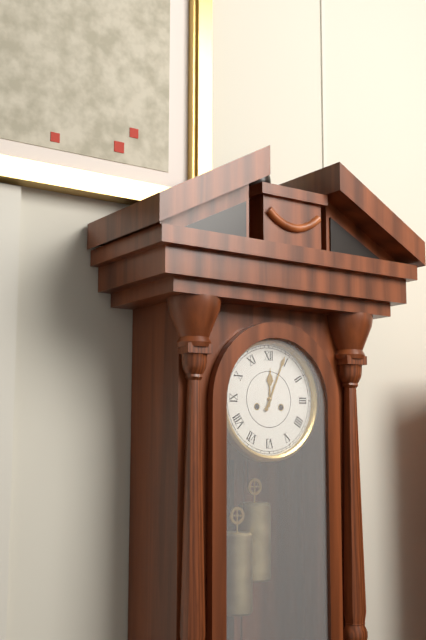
12.04
